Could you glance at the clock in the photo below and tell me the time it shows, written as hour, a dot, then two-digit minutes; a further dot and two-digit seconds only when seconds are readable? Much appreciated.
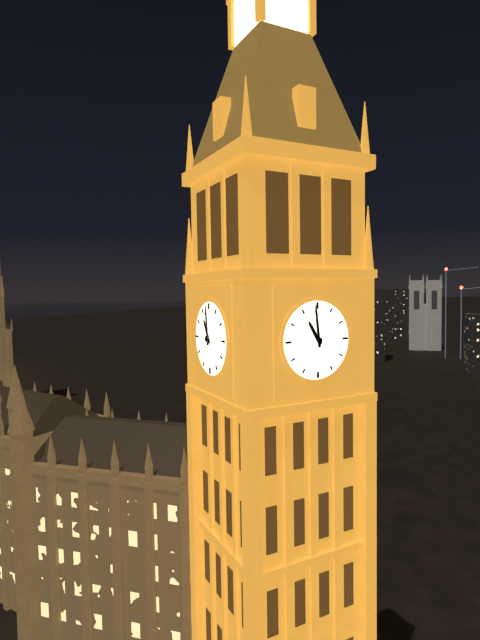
10.59
